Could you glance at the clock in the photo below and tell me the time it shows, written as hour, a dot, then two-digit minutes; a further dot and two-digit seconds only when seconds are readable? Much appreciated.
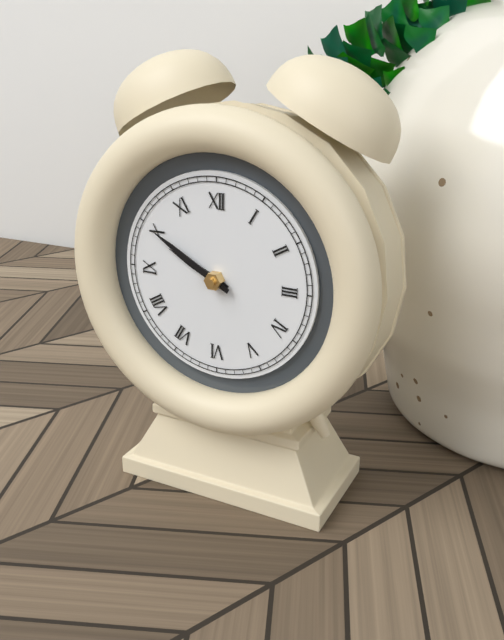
9.50
